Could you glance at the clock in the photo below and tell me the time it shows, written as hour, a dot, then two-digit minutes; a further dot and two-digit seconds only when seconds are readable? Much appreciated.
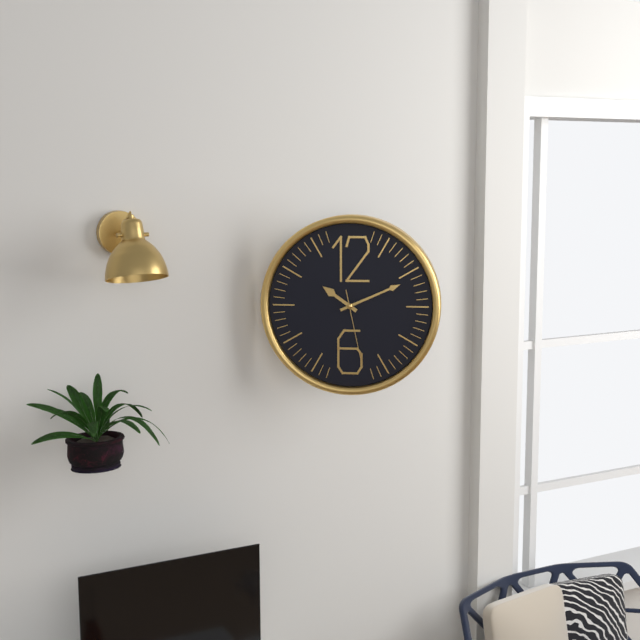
10.11.28
